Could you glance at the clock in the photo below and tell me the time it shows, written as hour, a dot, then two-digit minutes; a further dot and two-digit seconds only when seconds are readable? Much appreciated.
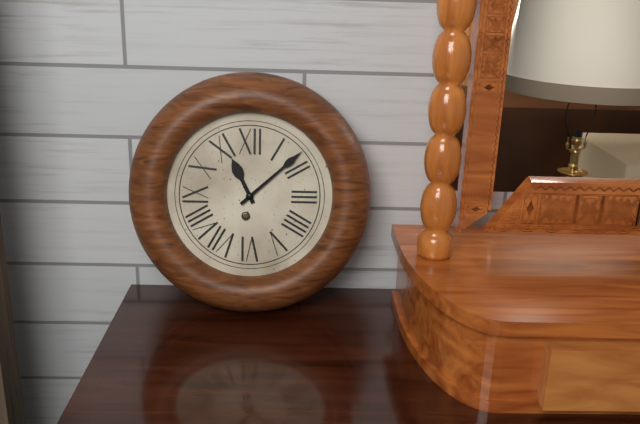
11.08
